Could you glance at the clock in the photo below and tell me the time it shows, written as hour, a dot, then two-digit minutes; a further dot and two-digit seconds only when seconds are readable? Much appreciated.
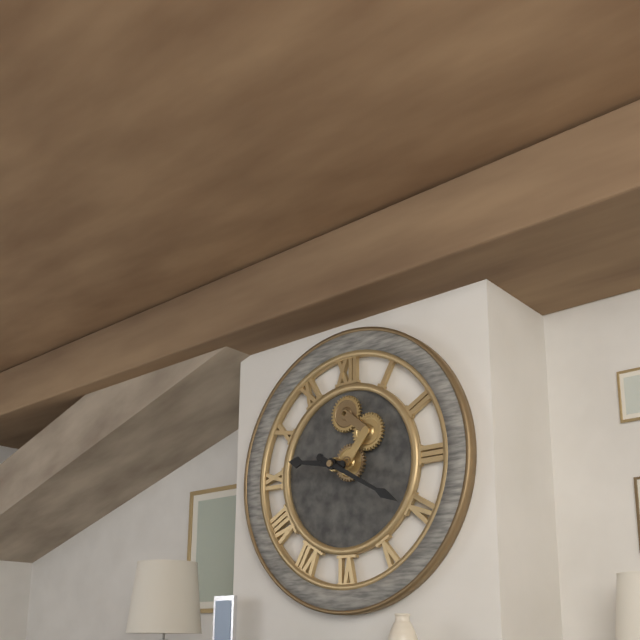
9.20
